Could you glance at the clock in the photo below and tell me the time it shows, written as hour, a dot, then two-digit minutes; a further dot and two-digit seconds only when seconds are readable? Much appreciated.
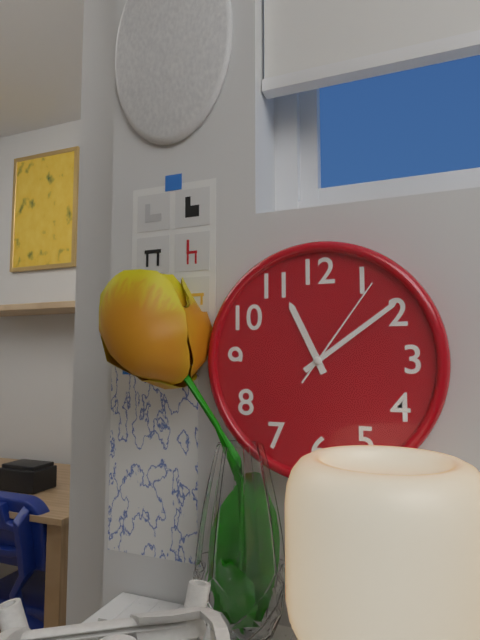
11.09.06
